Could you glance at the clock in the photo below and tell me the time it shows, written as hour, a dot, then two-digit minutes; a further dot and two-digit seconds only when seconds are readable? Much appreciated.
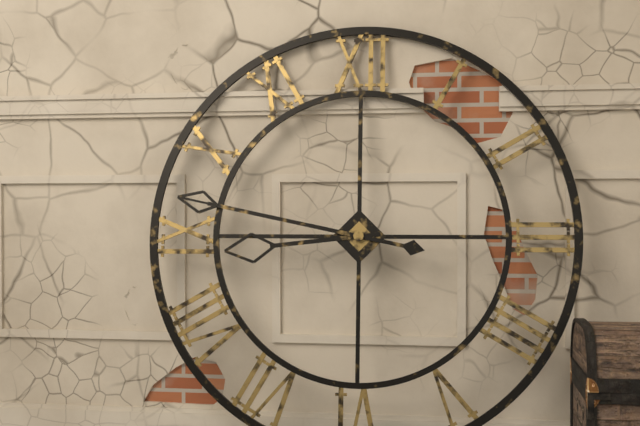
8.47
